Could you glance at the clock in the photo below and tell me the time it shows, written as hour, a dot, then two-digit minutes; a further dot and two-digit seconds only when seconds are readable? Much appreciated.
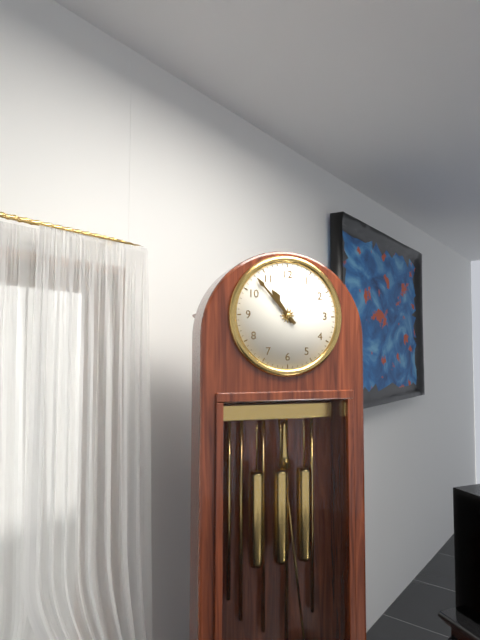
10.53
